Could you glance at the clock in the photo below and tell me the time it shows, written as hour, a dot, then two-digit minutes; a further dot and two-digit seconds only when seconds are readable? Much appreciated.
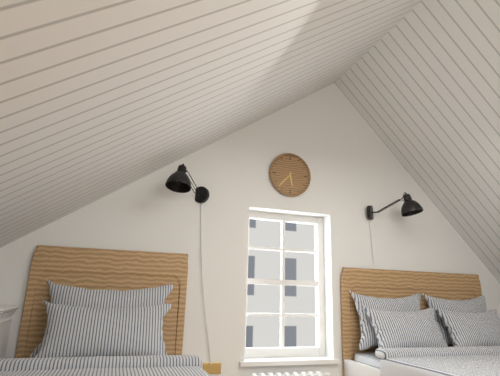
5.37
